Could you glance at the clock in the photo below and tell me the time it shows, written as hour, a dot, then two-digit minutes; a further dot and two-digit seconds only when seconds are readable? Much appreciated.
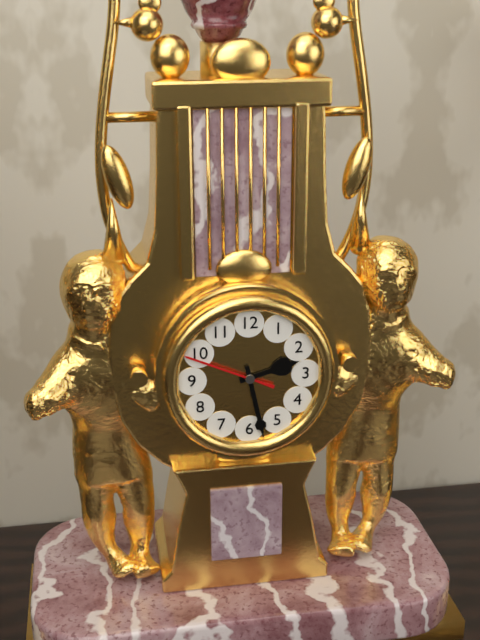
2.28.49
